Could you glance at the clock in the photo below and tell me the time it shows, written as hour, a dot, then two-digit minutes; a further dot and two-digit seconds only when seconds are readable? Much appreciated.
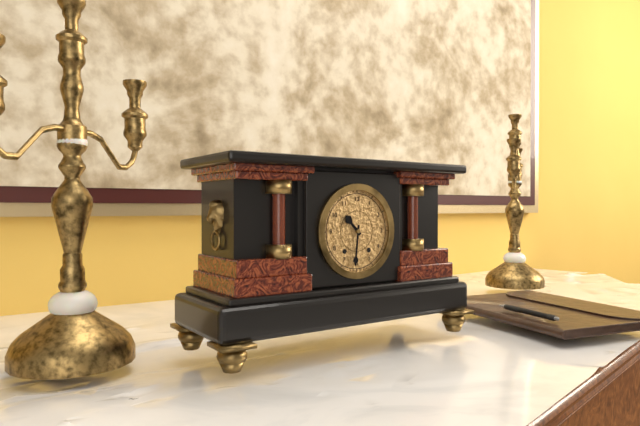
10.31
